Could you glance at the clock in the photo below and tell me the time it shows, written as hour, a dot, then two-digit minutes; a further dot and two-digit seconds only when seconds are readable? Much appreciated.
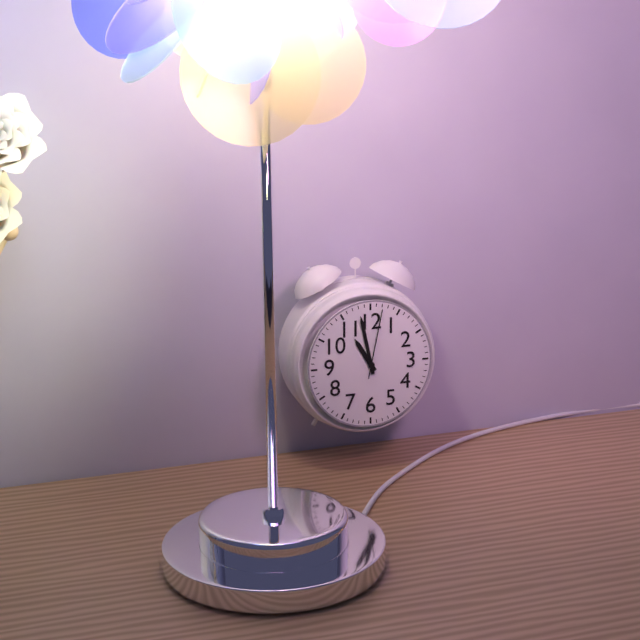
10.58.02
